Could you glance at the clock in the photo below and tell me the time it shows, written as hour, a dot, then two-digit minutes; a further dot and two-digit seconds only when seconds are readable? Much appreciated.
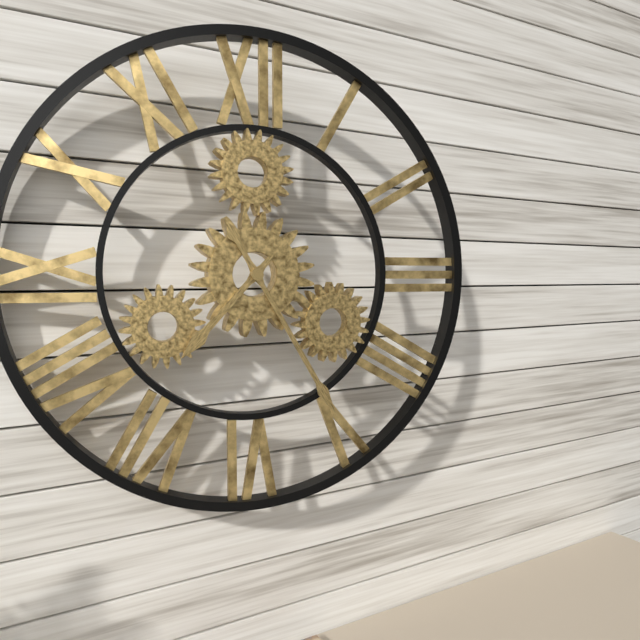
7.25
